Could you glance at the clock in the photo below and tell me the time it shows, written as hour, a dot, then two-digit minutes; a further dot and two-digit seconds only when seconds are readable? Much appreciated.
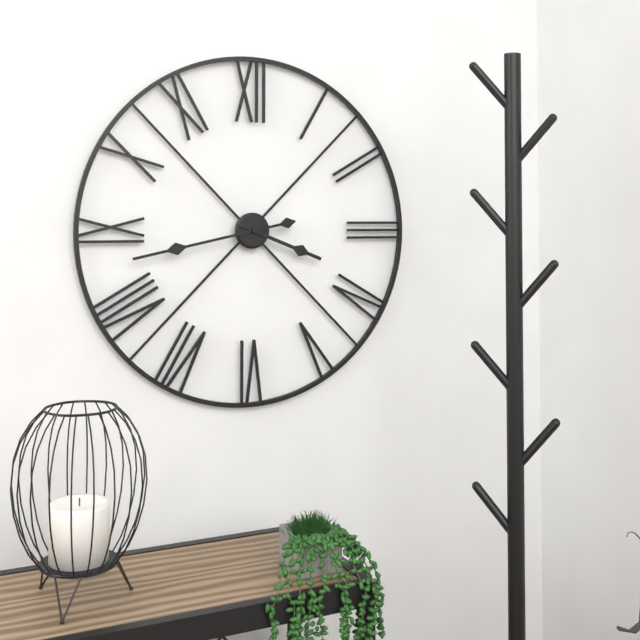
3.43
